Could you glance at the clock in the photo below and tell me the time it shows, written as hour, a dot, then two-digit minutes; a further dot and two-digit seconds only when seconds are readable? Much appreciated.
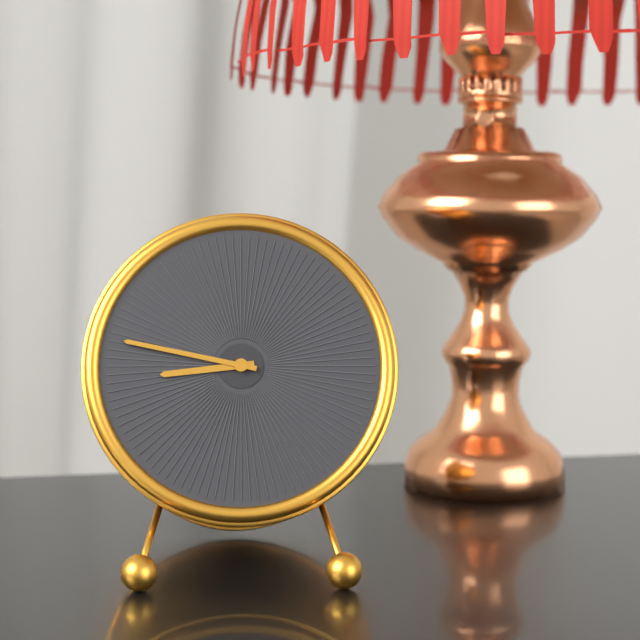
8.47
